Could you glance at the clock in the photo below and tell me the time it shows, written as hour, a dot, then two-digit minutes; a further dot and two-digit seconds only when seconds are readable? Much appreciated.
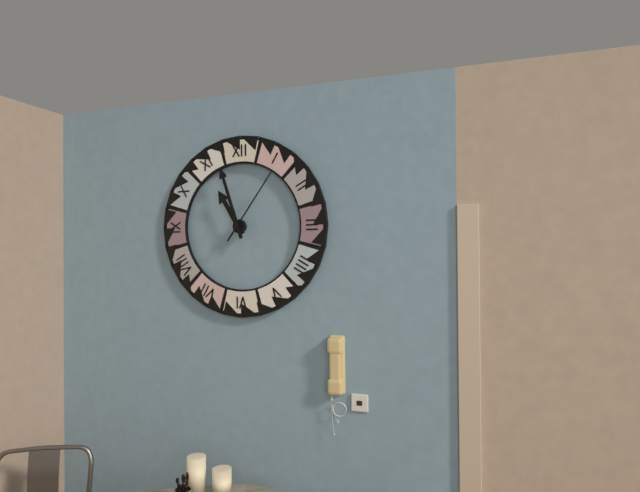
10.57.06
